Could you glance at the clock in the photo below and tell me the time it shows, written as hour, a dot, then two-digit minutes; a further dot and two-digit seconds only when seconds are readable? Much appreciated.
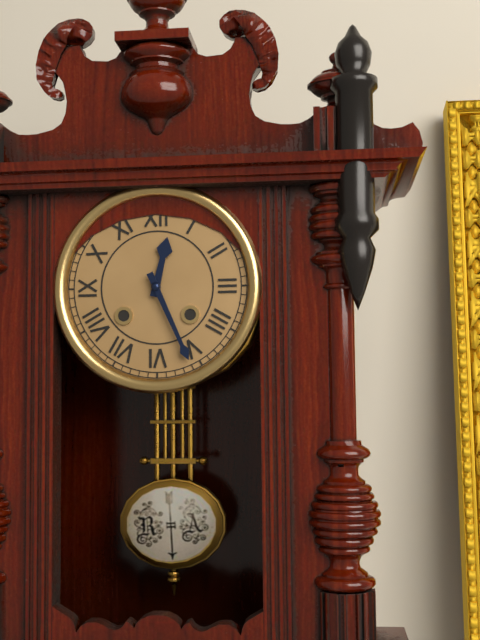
12.26
